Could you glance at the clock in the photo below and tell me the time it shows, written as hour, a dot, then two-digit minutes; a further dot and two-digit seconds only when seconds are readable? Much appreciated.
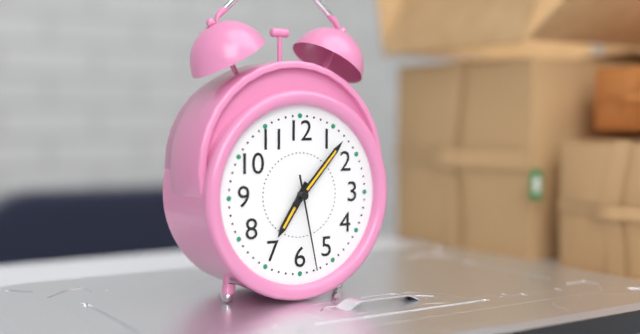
7.07.28
